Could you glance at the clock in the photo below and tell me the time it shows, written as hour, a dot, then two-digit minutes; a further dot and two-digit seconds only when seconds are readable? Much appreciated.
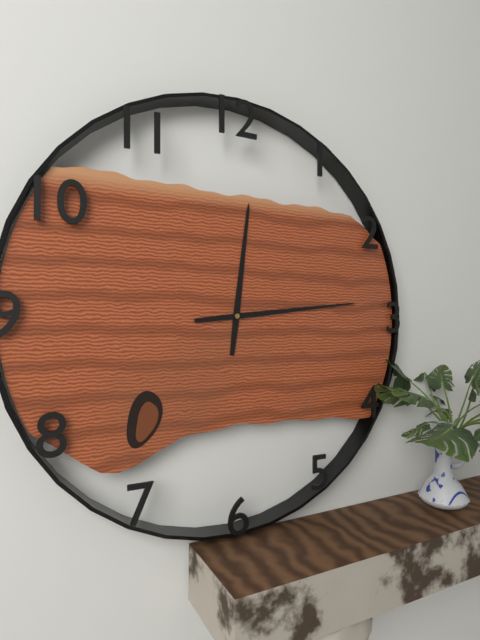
12.14
